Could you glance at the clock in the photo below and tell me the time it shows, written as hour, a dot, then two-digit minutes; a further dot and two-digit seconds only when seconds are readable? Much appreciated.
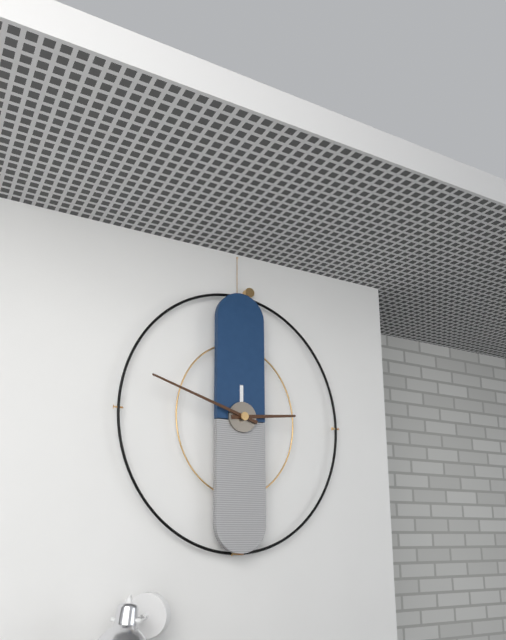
2.48
